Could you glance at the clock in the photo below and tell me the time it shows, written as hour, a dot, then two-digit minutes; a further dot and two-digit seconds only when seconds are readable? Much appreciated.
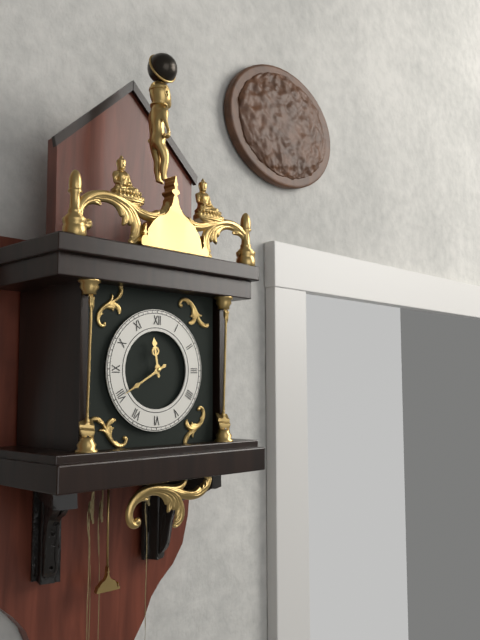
11.40
